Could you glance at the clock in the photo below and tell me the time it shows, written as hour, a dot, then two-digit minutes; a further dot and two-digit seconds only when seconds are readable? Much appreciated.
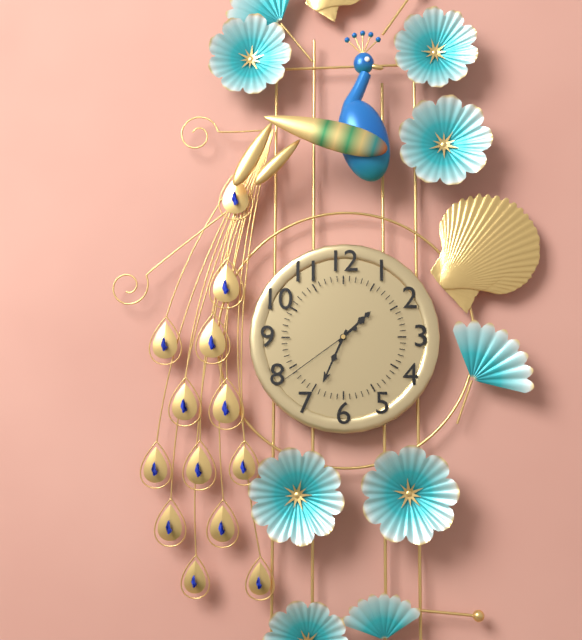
1.34.39
